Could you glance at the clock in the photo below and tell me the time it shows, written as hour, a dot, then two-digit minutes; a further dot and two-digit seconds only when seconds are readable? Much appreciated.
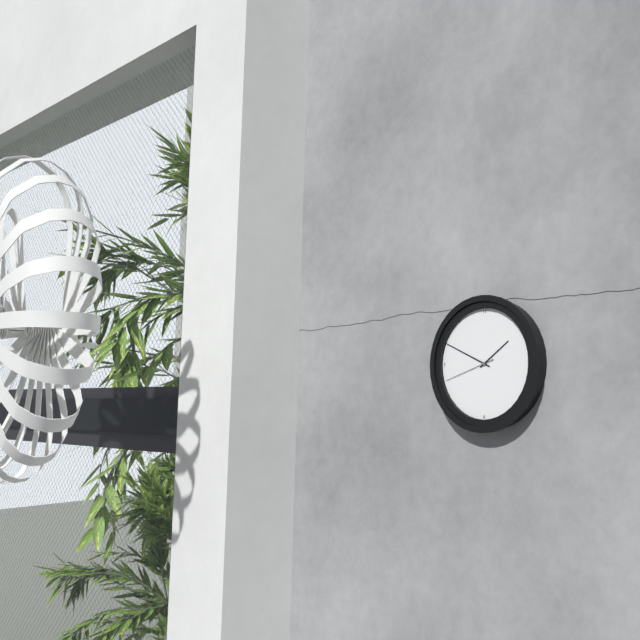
1.49.42
